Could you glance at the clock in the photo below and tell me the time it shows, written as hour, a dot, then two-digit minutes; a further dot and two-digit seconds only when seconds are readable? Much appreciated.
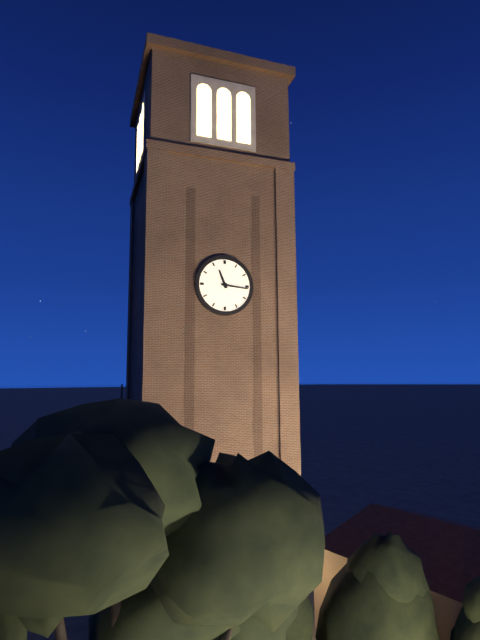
11.16
